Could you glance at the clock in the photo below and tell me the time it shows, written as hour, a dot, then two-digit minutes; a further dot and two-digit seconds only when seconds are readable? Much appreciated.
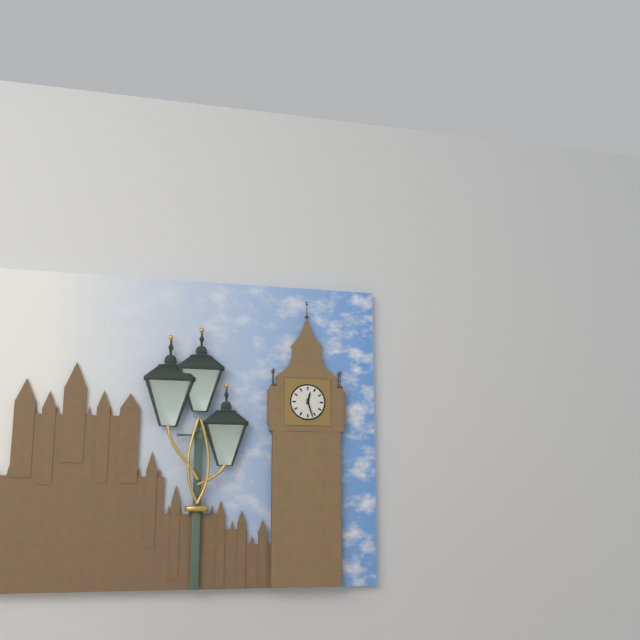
12.27
